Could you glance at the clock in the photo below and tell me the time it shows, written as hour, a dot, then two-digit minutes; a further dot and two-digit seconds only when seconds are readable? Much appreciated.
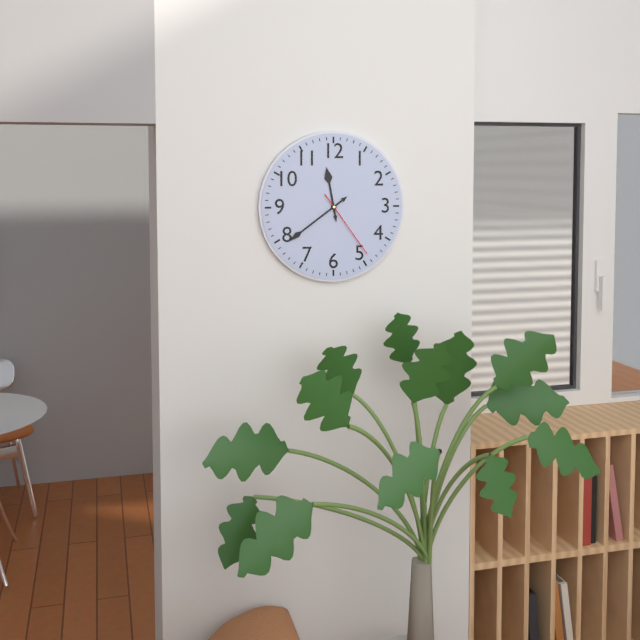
11.39.24
